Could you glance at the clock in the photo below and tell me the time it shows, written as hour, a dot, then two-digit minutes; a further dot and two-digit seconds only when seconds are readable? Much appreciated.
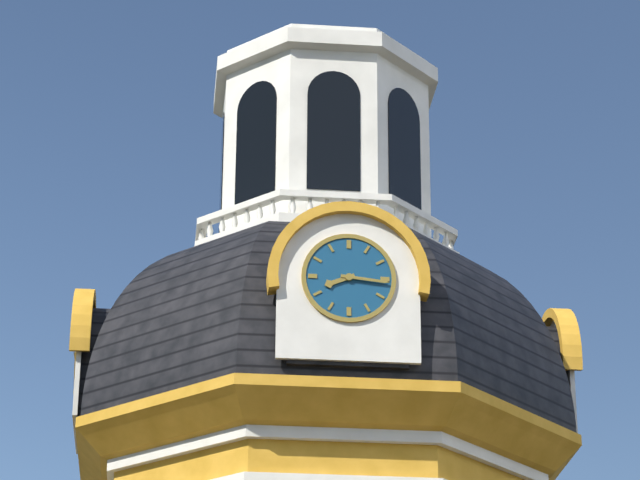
8.16
